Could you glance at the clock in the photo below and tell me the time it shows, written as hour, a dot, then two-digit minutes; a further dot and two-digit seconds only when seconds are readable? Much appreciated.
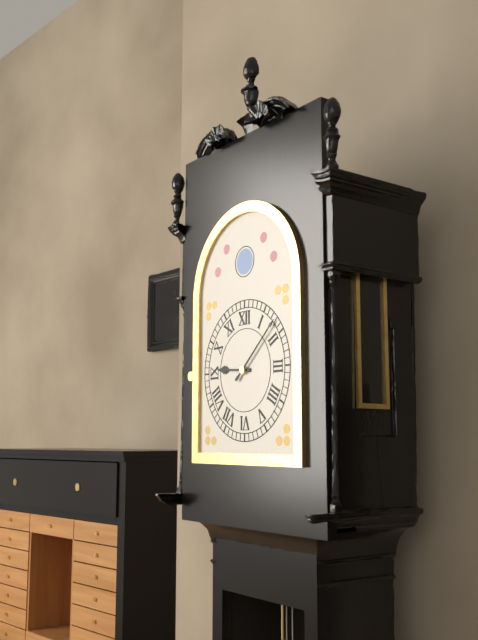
9.08
